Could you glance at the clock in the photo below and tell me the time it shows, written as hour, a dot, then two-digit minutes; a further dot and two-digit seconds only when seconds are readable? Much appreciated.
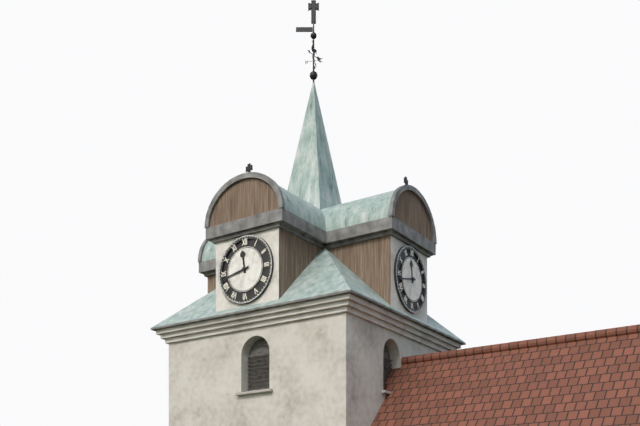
11.43
